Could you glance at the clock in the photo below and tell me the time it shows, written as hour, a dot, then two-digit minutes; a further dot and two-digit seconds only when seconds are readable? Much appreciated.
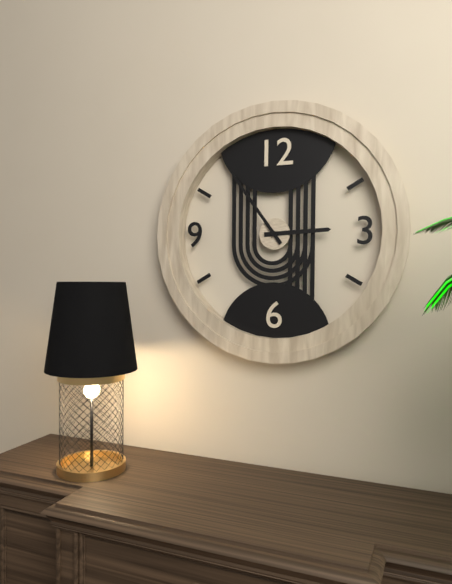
2.54
